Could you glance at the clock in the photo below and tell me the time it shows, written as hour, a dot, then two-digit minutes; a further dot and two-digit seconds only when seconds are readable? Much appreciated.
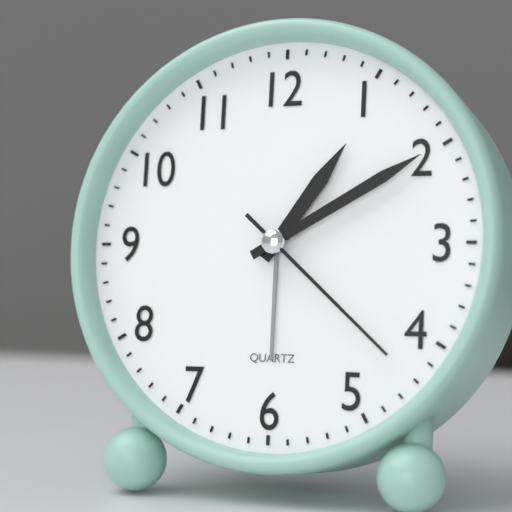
1.10.22
